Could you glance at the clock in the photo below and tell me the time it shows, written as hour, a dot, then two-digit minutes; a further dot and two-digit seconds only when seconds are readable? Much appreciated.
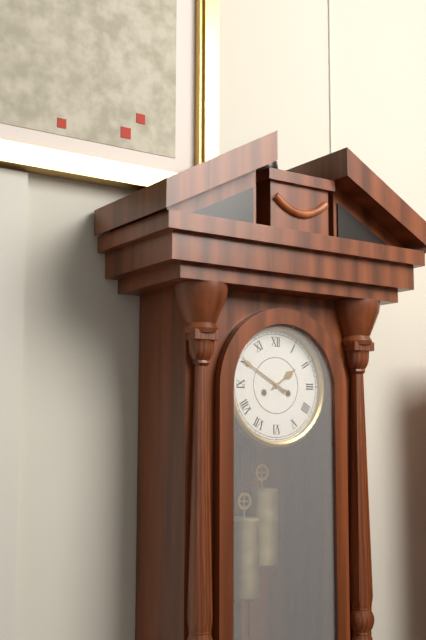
1.50
